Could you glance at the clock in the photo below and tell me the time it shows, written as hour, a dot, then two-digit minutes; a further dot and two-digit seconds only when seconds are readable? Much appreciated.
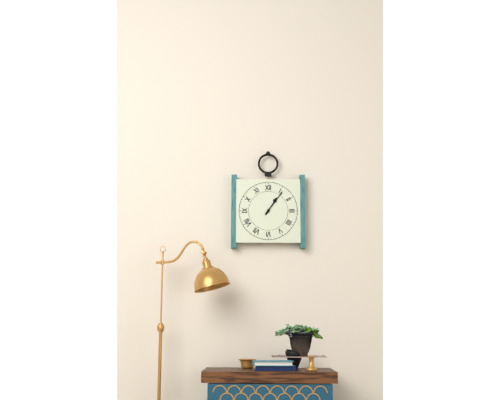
1.06
